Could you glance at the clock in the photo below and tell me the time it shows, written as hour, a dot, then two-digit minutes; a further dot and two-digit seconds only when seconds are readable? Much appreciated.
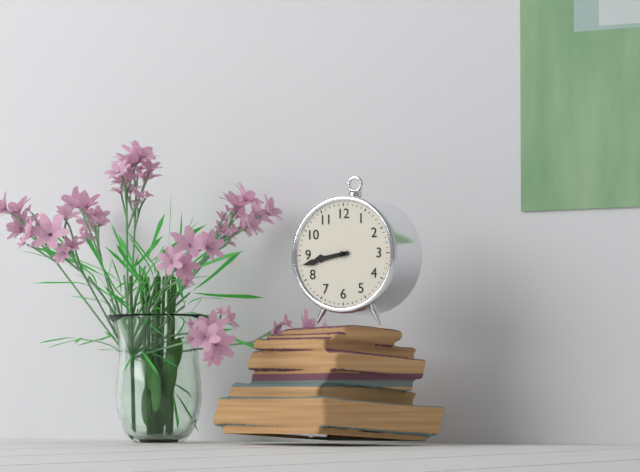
8.43
